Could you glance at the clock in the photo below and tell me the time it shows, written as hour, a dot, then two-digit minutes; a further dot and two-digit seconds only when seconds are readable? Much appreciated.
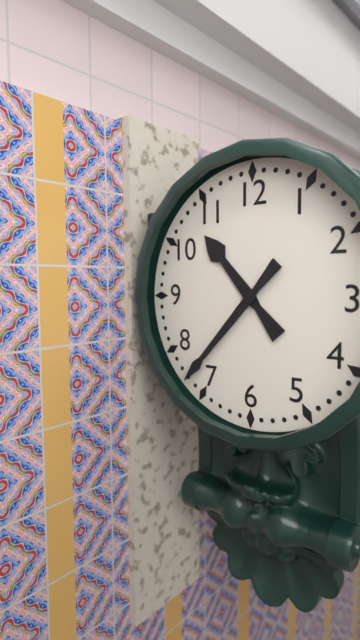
10.37
